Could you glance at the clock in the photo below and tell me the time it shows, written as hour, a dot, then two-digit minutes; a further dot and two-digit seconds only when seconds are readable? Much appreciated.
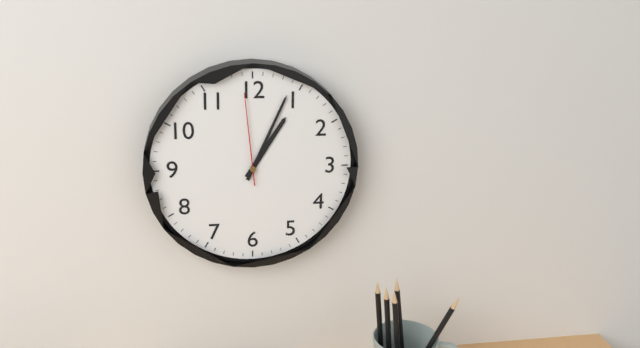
1.04.59
